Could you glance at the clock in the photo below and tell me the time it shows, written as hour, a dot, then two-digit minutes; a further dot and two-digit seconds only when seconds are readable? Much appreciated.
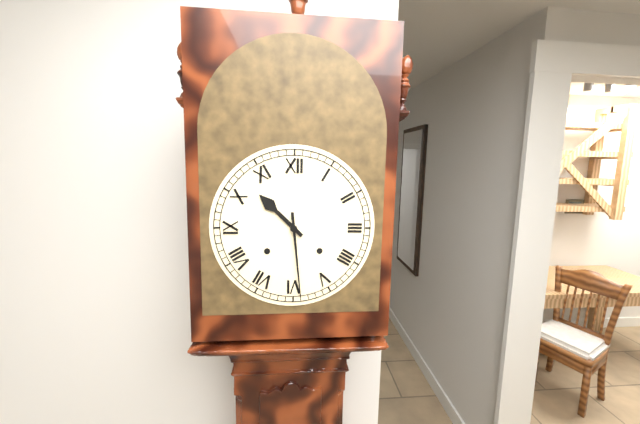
10.29
